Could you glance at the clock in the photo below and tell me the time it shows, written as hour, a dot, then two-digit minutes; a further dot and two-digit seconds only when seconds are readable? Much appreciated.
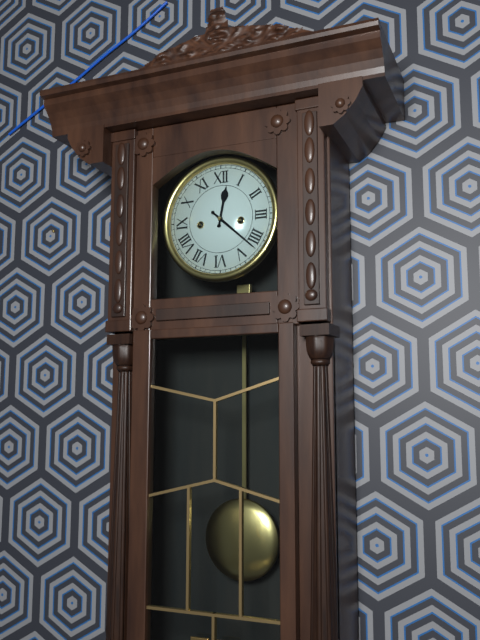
12.22
